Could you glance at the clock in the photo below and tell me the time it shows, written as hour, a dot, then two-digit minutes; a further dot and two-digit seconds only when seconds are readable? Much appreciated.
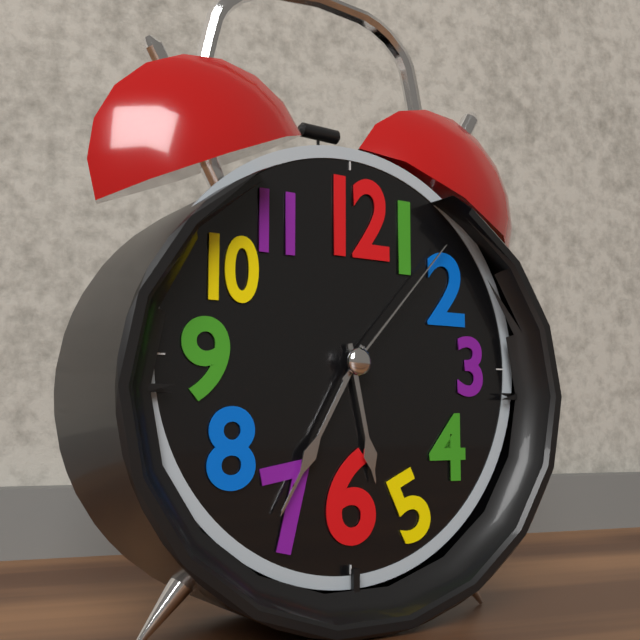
5.35.07
